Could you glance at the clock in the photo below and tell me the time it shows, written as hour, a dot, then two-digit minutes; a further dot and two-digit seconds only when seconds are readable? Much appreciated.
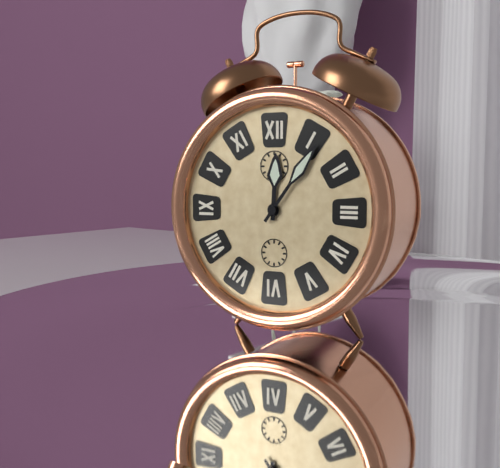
12.06
